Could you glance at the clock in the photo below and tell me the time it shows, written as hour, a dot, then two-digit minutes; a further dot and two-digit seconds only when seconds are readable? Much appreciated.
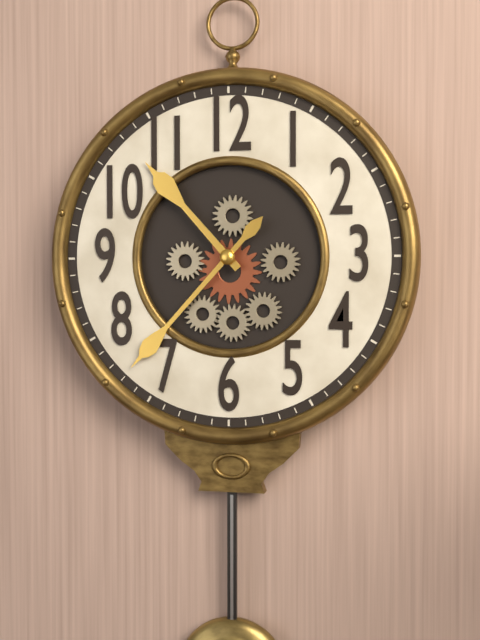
10.37
